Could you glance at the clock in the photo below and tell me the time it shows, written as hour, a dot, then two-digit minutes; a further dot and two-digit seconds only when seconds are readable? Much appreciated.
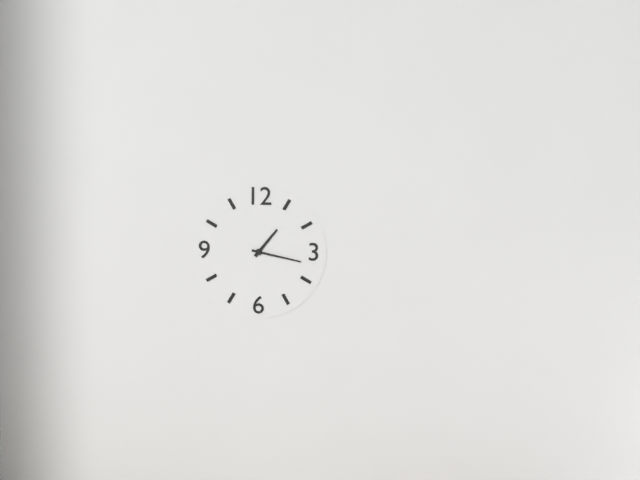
1.17
